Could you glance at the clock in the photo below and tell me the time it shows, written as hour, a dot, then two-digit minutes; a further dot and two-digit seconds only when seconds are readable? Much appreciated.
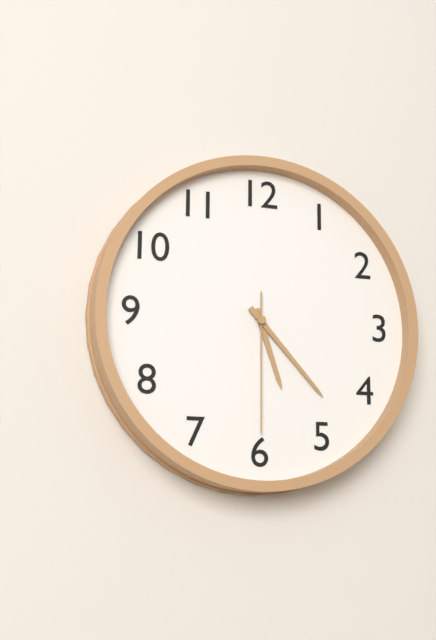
5.23.30
